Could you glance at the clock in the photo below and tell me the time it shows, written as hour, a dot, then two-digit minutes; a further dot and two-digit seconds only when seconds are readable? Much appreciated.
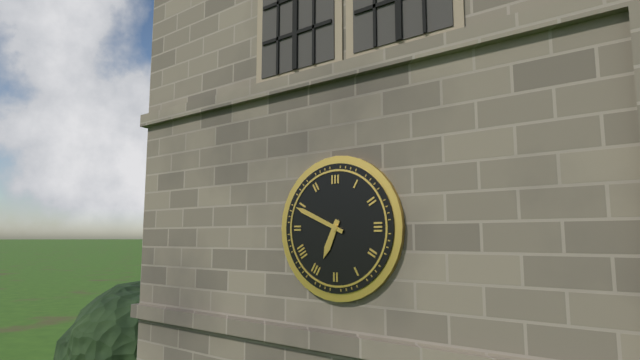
6.49
